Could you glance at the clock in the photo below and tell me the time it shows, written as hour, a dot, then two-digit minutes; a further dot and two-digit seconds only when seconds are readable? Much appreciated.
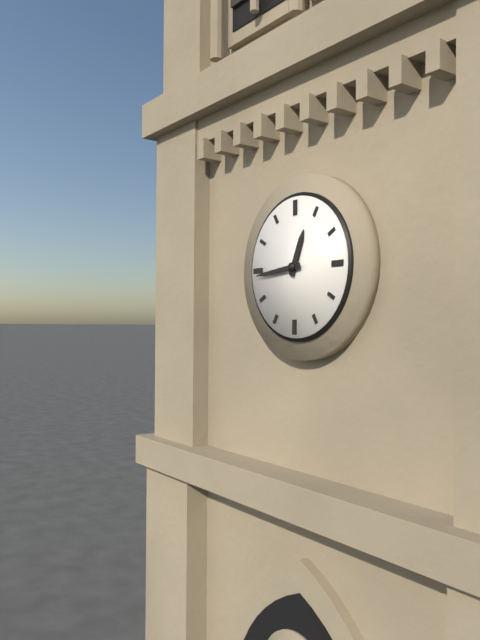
12.44
